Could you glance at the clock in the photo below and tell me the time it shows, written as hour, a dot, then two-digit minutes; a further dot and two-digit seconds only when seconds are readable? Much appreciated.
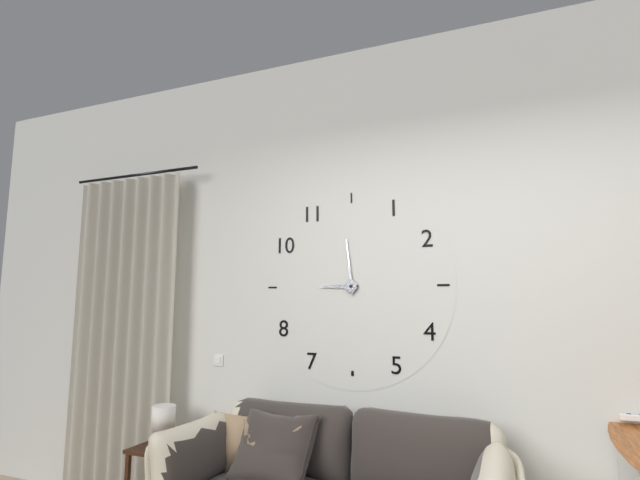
8.59
